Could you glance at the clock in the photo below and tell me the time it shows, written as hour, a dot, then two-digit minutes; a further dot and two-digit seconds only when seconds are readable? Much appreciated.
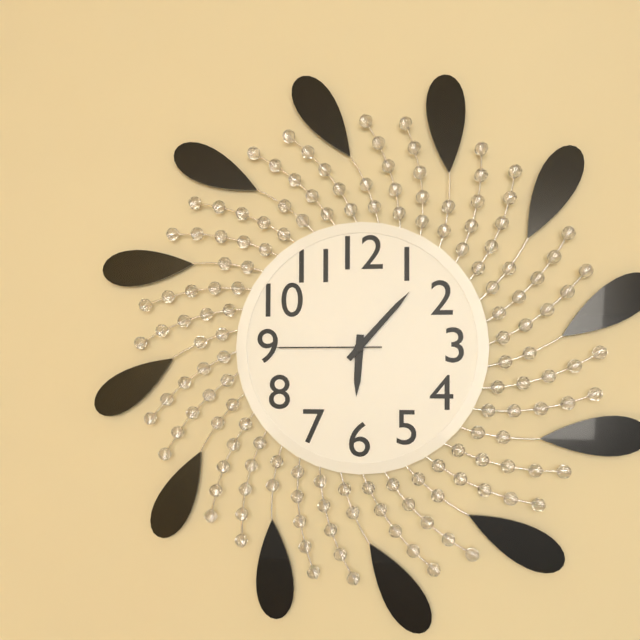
6.07.45
